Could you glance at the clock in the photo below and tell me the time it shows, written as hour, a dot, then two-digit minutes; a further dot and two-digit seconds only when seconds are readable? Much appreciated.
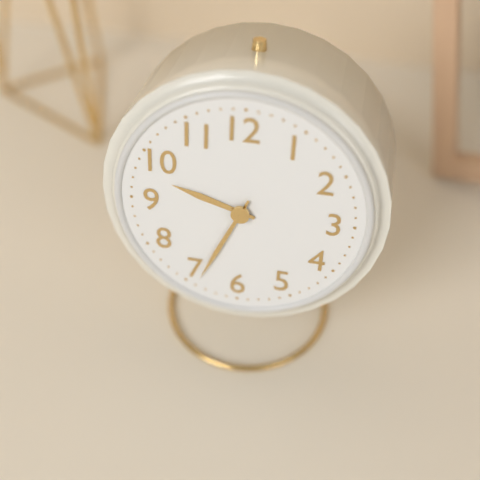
9.34
